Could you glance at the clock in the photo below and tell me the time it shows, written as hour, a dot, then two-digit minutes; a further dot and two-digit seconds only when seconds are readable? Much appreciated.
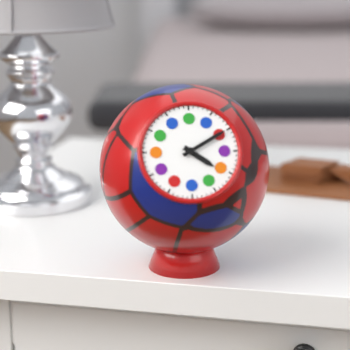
4.10
